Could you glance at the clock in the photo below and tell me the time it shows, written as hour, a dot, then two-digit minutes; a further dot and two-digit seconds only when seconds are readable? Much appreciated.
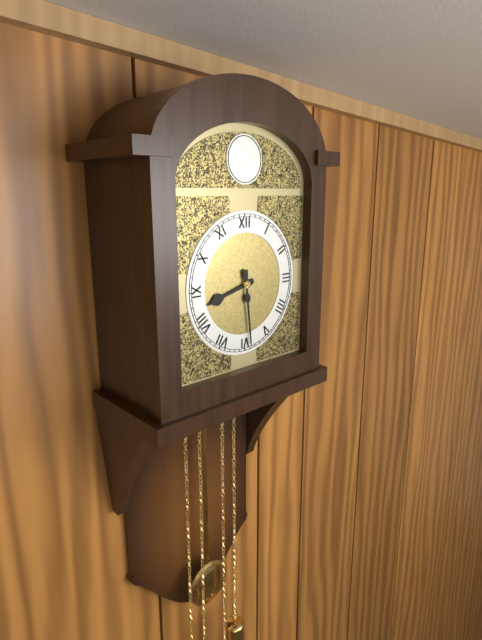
8.29
